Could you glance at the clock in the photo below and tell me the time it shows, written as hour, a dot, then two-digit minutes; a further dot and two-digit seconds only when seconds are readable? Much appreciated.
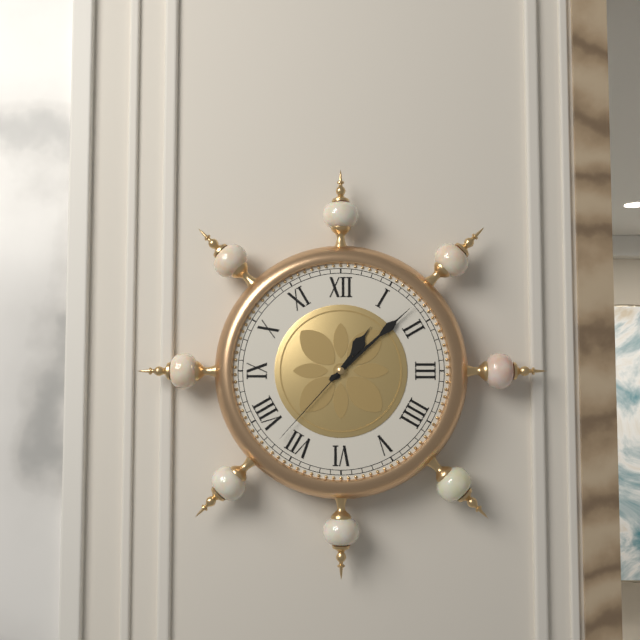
1.08.37
